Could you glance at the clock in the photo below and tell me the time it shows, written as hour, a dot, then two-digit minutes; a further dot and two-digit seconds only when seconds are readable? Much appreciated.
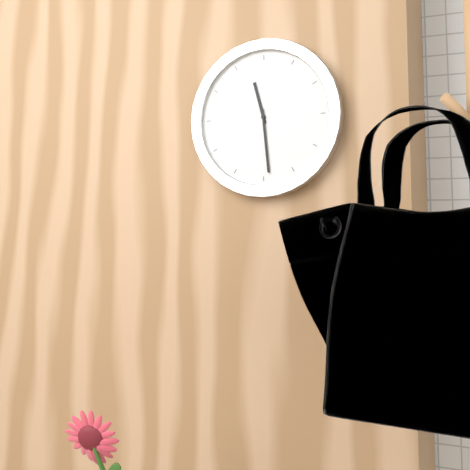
11.29
